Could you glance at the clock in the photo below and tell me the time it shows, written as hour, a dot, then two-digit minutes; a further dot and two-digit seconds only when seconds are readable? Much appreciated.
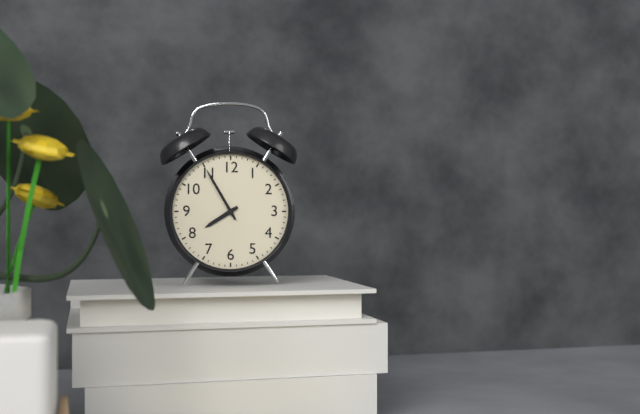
7.55
